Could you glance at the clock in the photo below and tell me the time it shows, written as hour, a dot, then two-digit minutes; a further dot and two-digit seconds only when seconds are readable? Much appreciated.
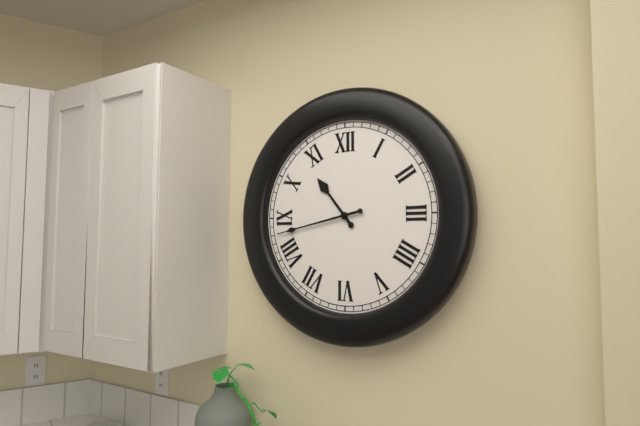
10.43
